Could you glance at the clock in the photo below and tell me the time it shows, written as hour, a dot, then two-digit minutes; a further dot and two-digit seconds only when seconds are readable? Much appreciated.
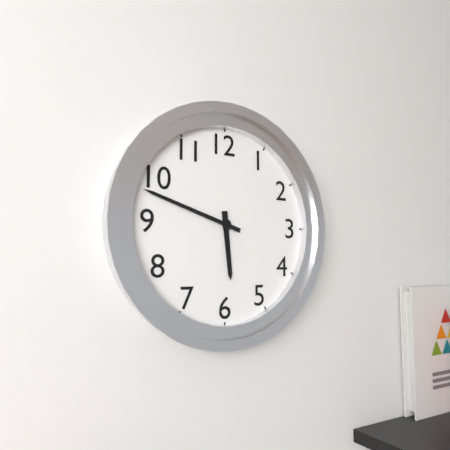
5.48
